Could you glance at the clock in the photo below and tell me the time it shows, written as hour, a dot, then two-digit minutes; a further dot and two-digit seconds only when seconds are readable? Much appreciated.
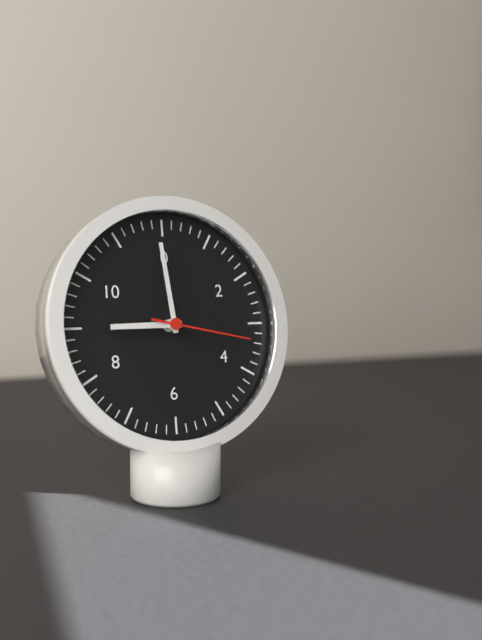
8.59.17
